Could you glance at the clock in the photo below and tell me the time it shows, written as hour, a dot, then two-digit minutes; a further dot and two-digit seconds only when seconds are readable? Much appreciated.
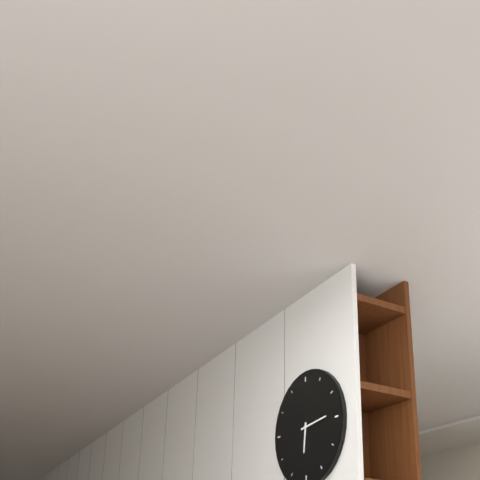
6.14
